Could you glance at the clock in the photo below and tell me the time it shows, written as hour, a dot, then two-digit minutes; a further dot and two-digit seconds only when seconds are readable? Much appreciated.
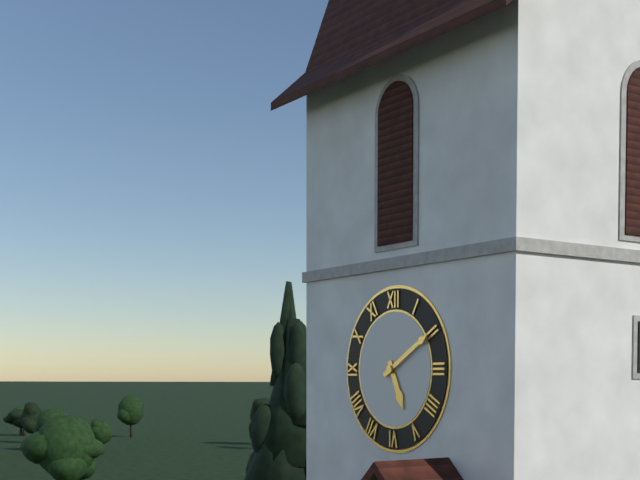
5.10
